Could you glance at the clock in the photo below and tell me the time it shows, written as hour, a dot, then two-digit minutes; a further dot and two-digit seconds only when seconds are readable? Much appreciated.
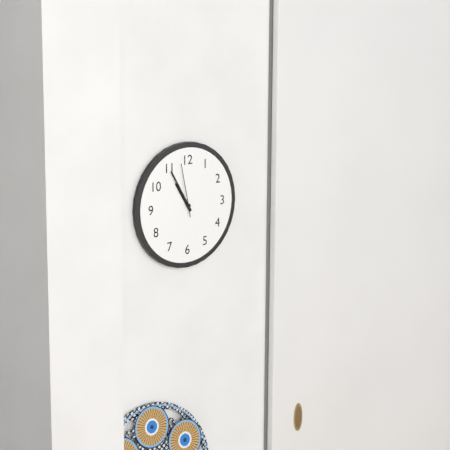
10.55.58
